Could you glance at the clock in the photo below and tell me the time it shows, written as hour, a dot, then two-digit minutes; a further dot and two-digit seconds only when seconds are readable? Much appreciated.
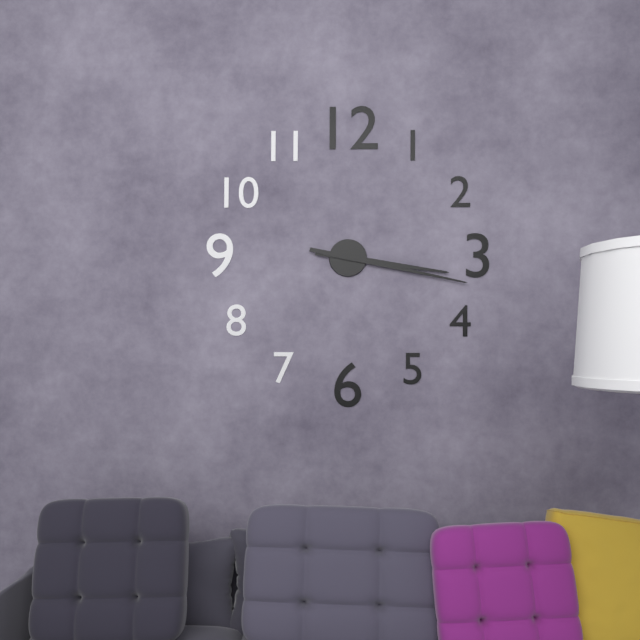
3.17
